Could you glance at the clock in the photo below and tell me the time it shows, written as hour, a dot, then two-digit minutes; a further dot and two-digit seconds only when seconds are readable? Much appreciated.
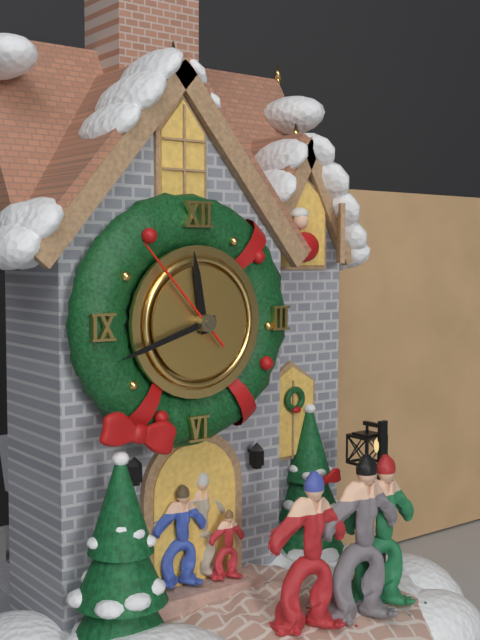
11.42.53
